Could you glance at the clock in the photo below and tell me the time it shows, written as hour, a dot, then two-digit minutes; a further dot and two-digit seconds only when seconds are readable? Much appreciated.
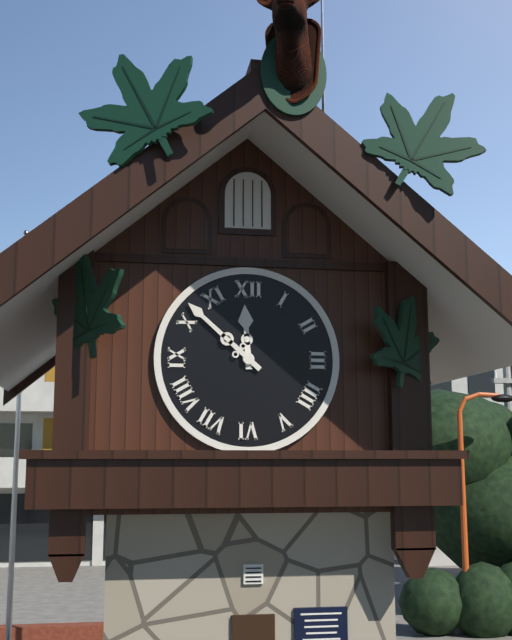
11.52
